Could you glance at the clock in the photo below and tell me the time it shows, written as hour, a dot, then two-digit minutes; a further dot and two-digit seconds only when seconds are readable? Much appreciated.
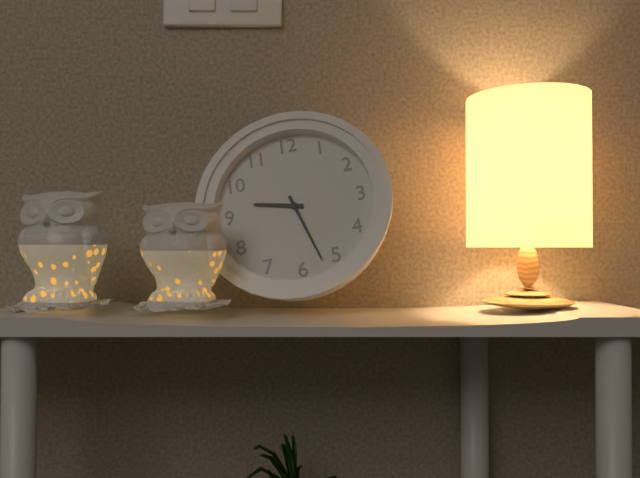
9.27
